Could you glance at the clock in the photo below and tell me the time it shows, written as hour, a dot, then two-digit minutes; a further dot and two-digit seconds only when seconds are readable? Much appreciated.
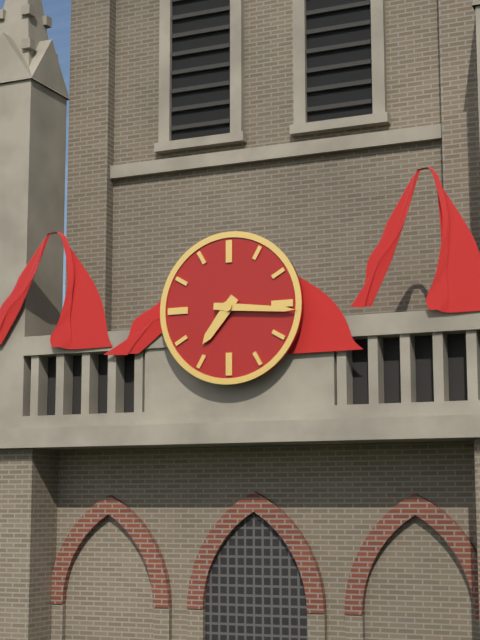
7.16
